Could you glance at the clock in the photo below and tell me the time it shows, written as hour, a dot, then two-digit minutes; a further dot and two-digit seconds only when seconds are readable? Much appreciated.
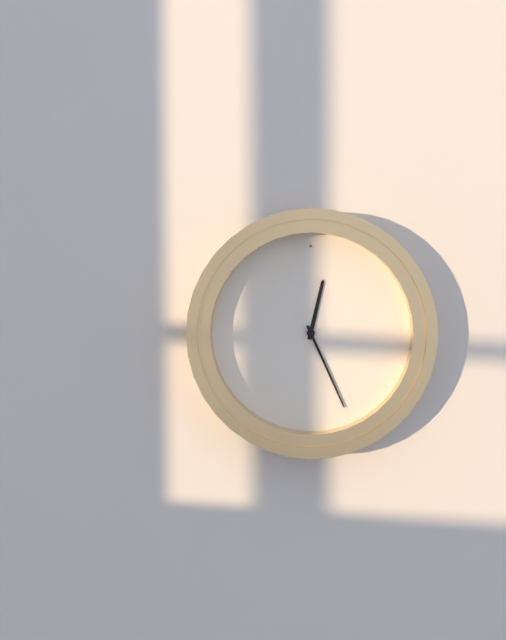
12.26
